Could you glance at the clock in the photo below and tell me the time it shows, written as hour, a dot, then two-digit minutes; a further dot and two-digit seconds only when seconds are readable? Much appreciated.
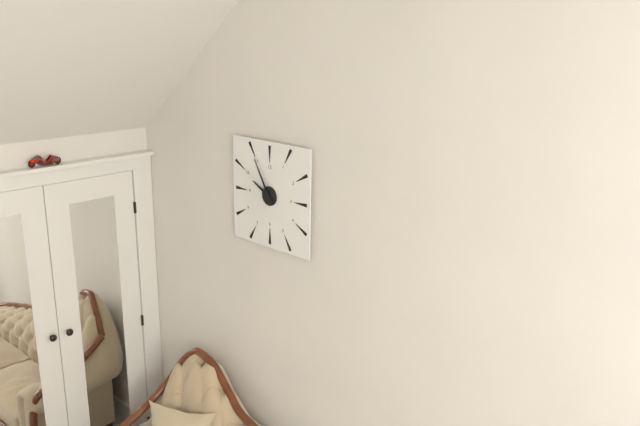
9.55
